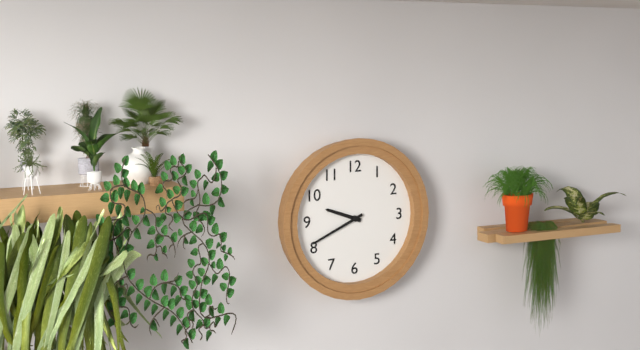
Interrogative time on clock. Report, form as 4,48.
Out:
9,41
